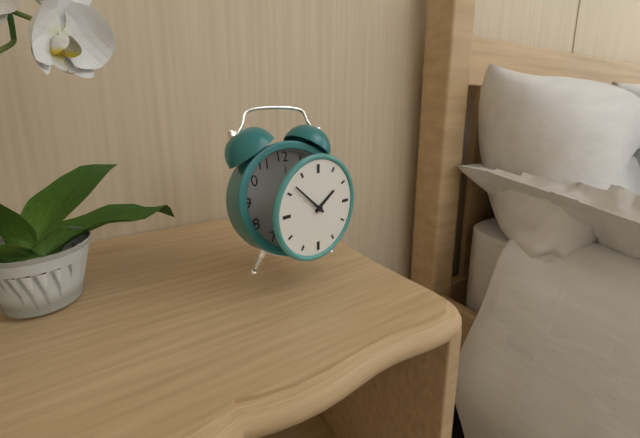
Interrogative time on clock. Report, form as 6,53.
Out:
1,52
